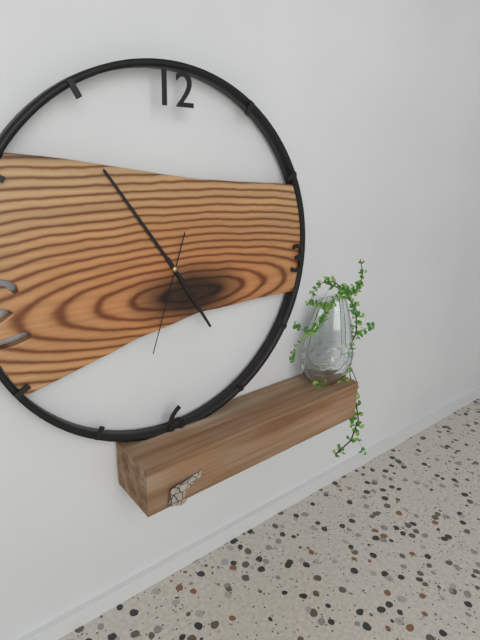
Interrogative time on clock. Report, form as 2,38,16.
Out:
4,54,33
